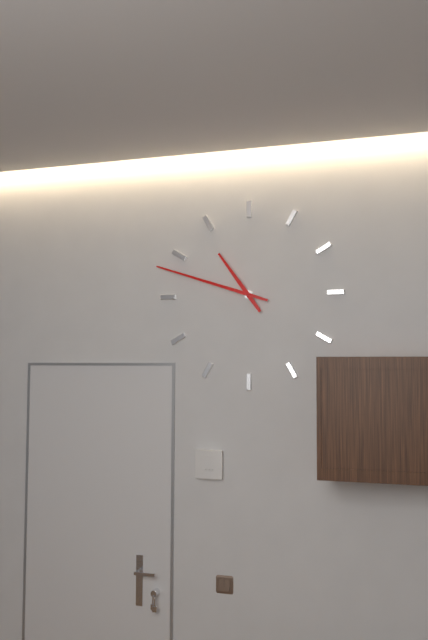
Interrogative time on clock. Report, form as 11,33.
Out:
10,48
